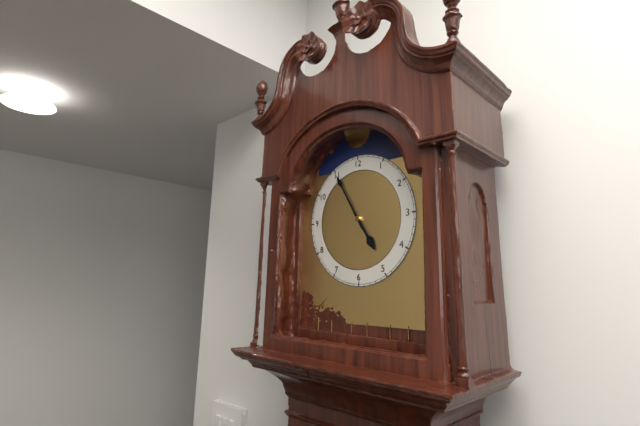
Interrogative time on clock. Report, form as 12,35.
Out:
4,55
